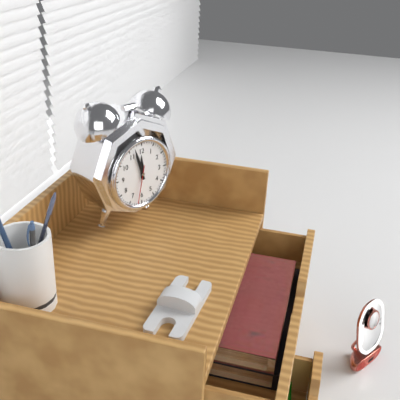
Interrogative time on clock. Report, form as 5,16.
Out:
11,57
